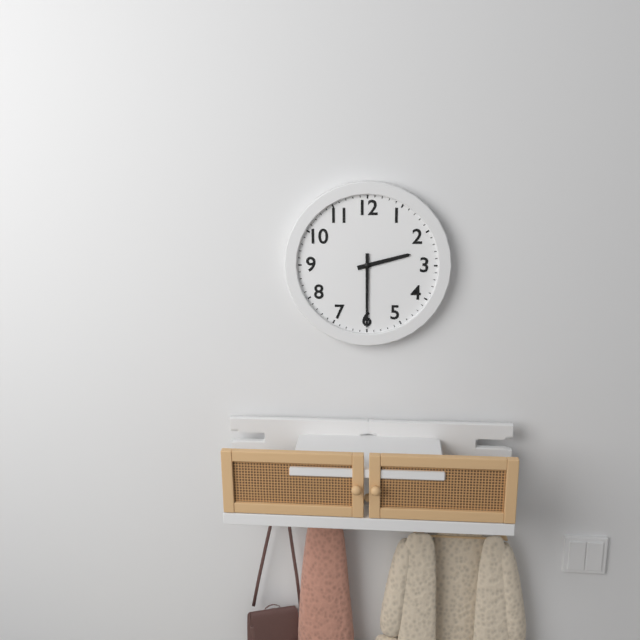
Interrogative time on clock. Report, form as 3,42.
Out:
2,30
